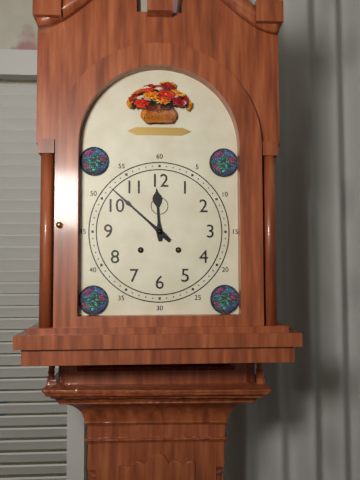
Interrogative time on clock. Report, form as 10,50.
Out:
11,52
